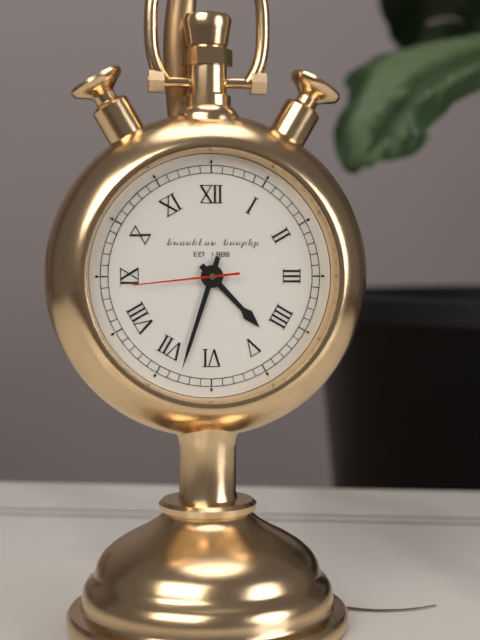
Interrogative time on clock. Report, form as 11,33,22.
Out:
4,33,44
